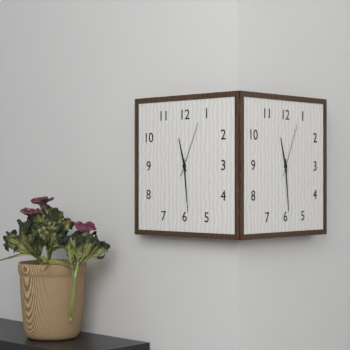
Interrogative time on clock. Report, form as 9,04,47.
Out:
11,29,04
